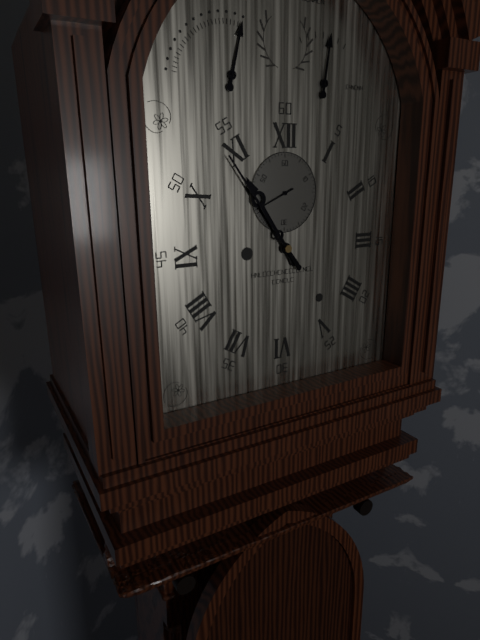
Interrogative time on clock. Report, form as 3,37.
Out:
10,54
